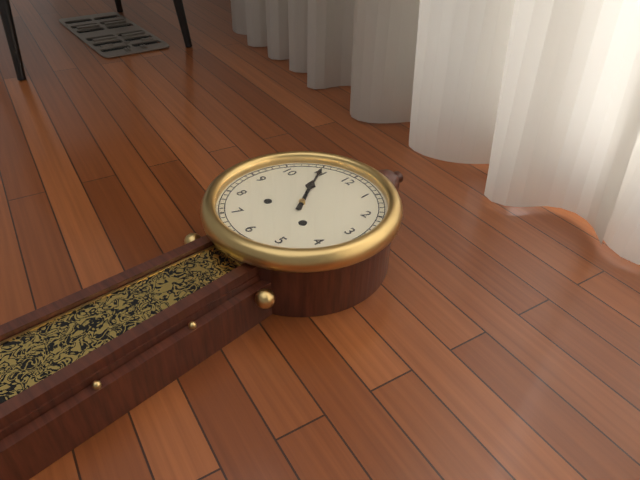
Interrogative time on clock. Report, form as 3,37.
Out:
10,55
